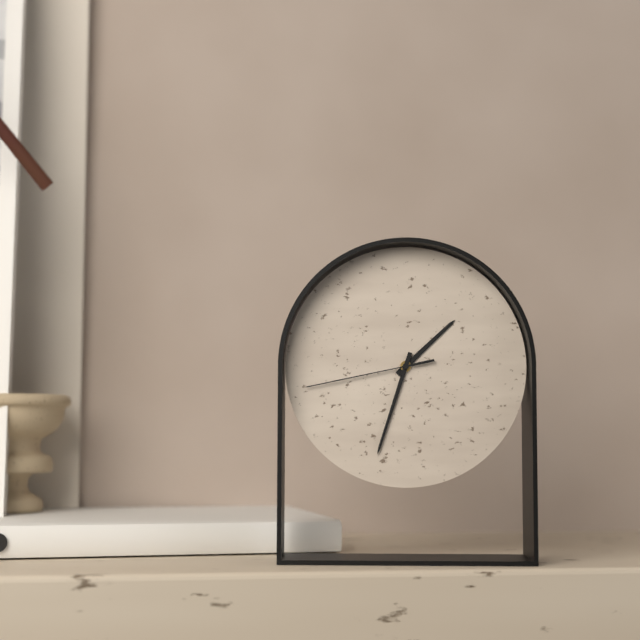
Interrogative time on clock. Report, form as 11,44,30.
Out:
1,33,43
